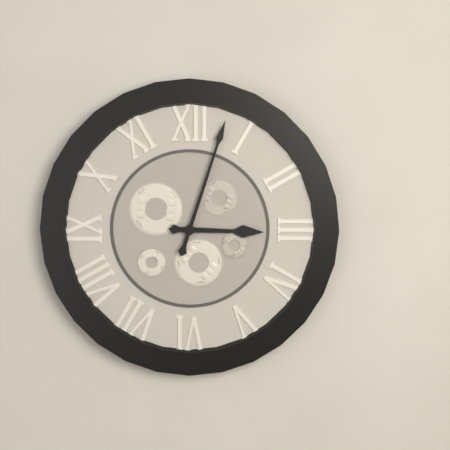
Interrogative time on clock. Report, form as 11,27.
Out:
3,03
